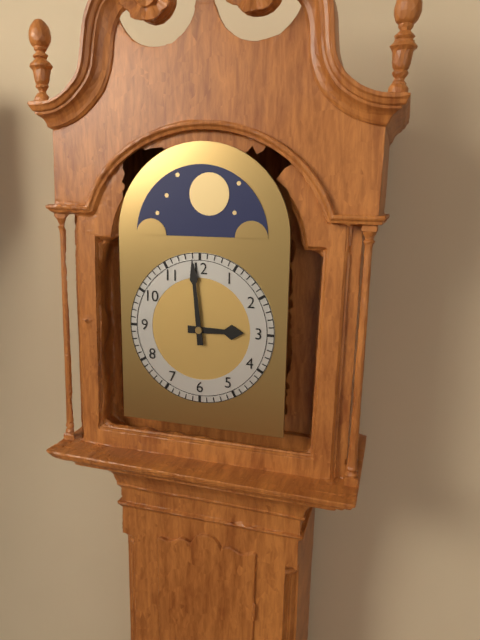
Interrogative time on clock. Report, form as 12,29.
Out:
2,59
